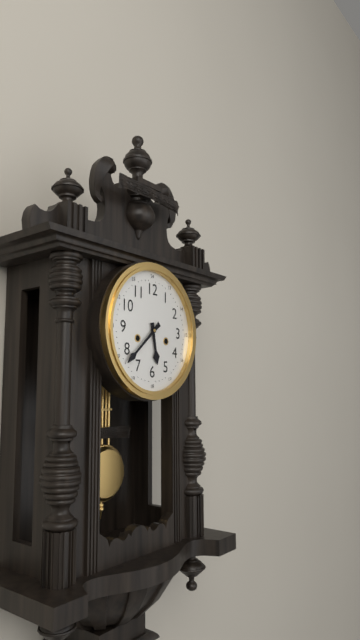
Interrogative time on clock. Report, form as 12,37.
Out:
5,38
